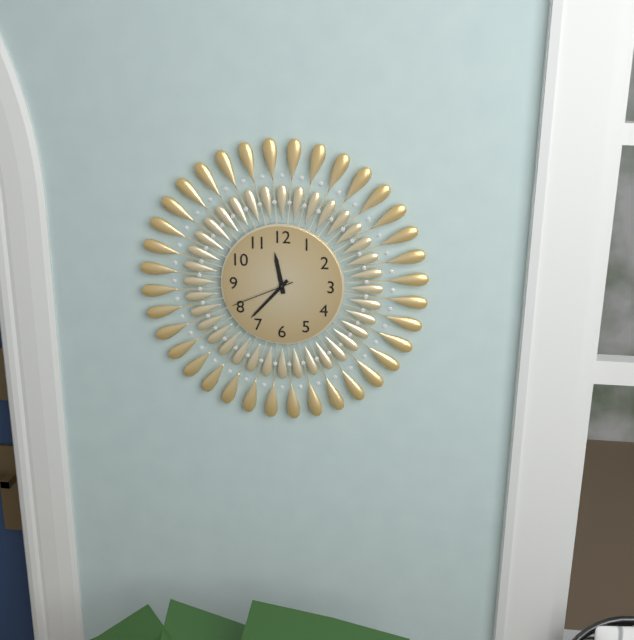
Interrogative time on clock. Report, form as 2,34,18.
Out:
11,37,41
